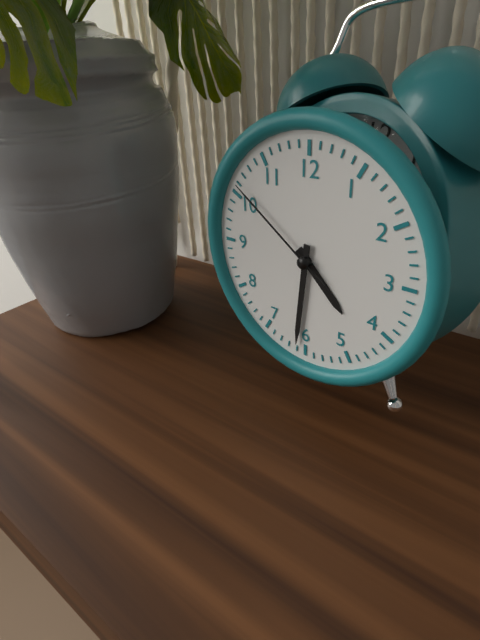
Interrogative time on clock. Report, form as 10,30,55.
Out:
4,31,51
